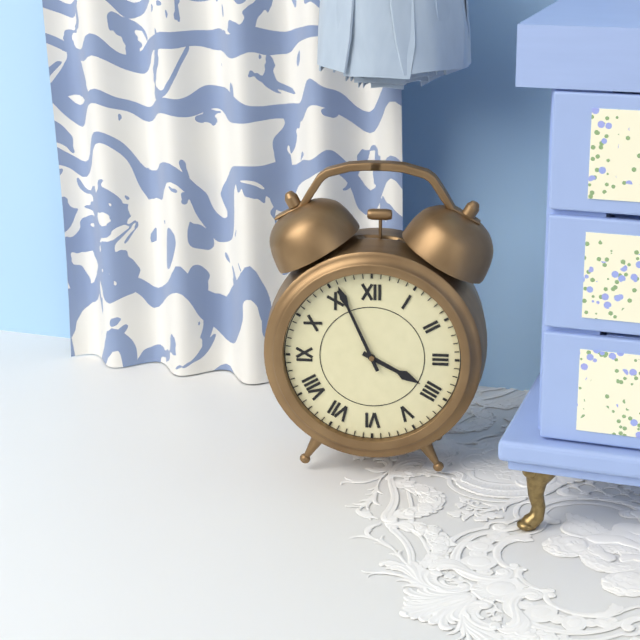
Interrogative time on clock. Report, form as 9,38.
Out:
3,56
